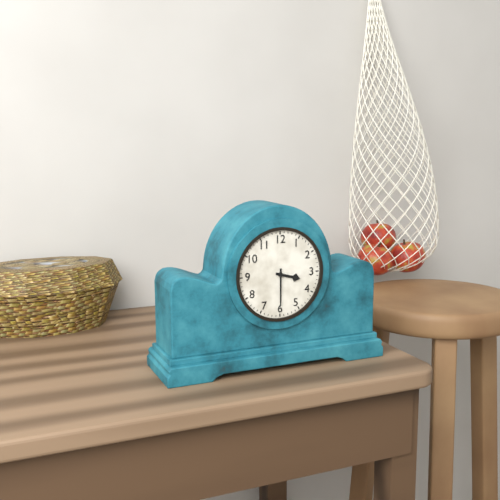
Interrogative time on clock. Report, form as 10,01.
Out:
3,30
